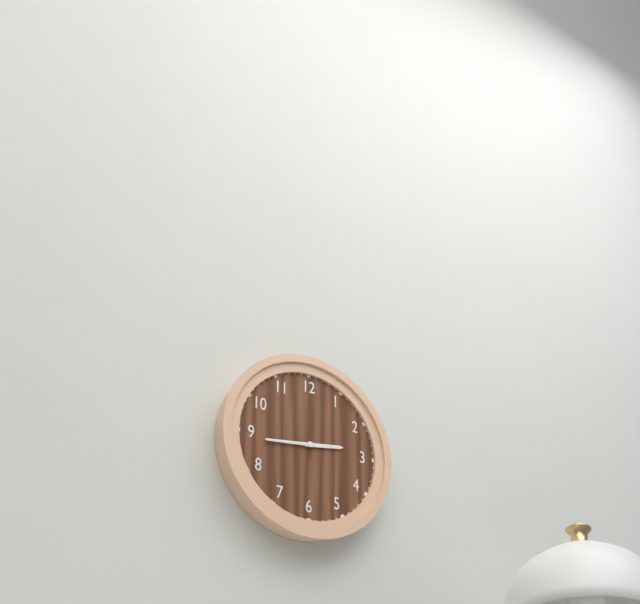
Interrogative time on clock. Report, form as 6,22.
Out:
2,44
